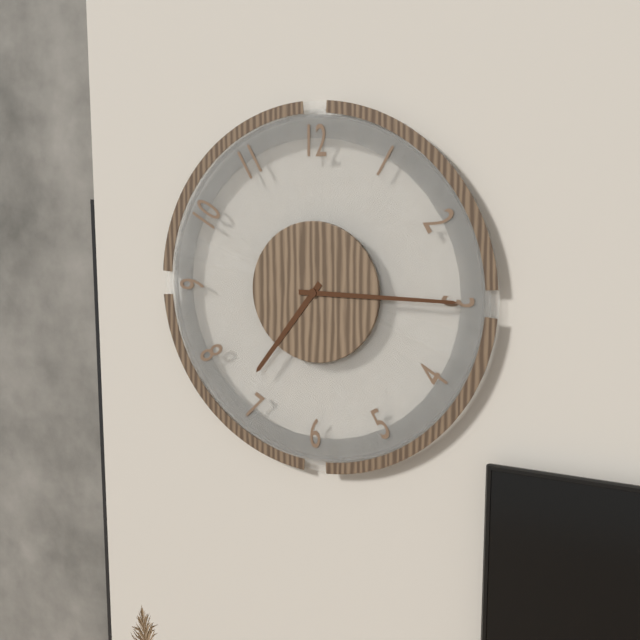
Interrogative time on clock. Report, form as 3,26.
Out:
7,15
